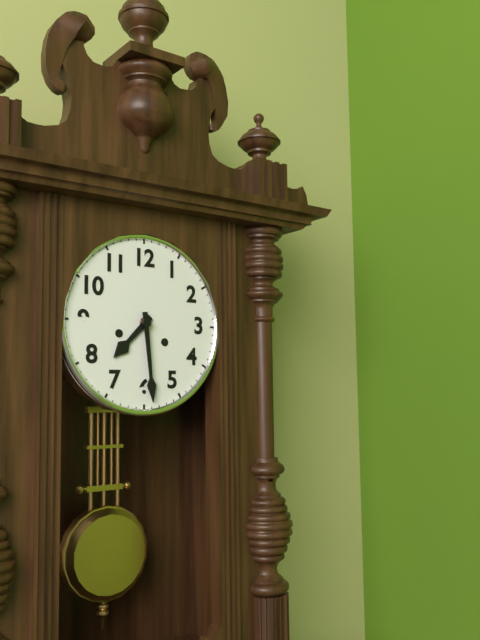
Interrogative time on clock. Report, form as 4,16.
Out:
7,29
